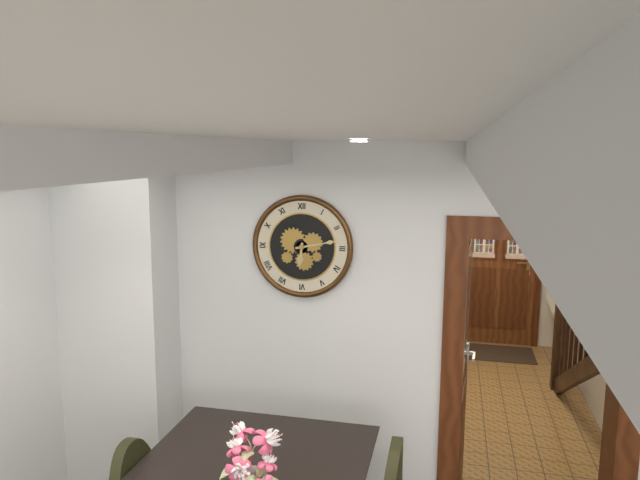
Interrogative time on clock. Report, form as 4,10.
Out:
6,13
